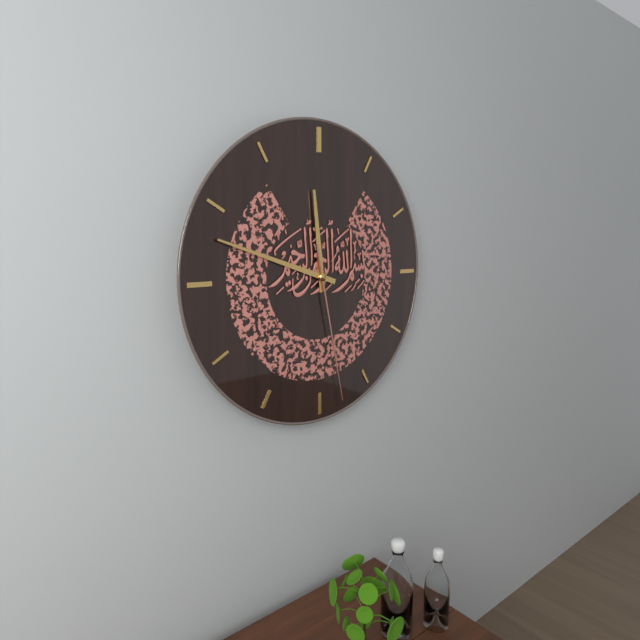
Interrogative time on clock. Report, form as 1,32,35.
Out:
11,48,28
